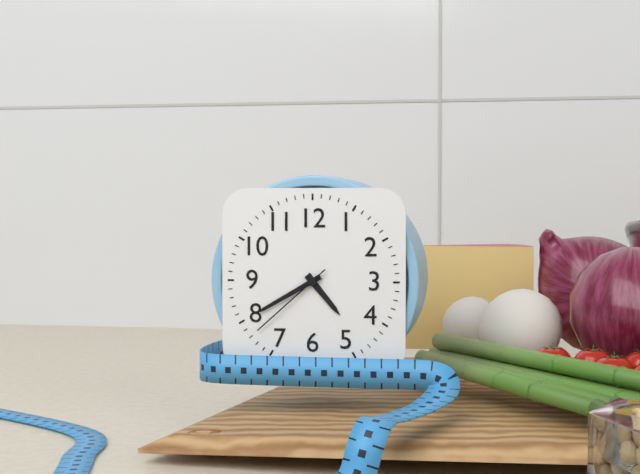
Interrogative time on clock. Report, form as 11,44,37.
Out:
4,40,38
